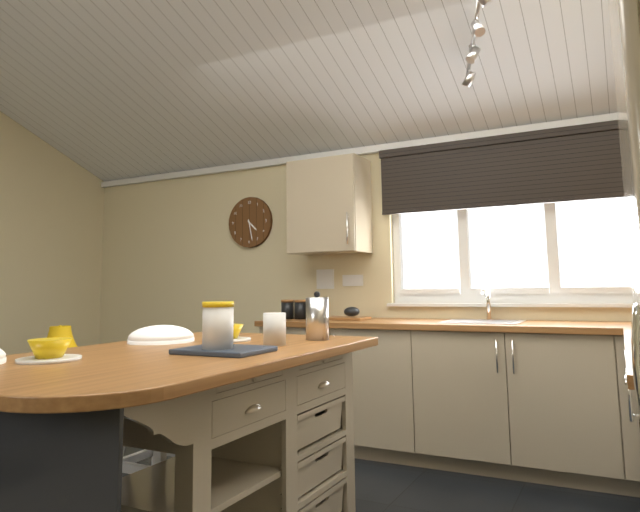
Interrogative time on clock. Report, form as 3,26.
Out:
4,28
